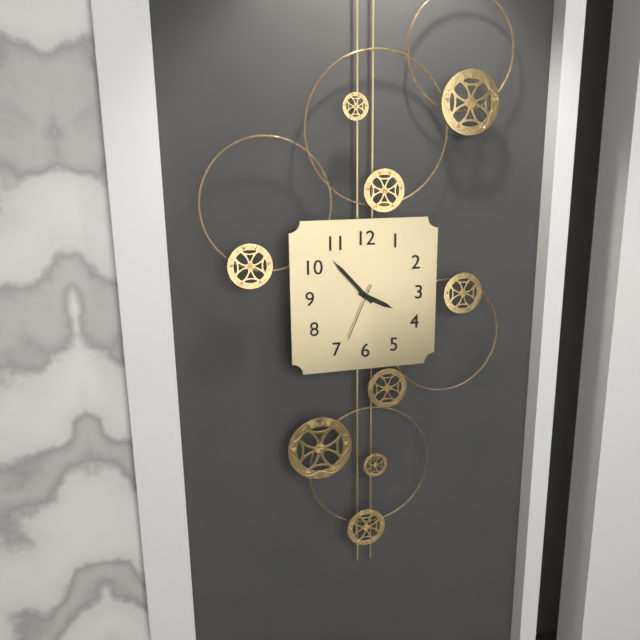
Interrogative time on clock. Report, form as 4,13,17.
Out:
3,53,34
